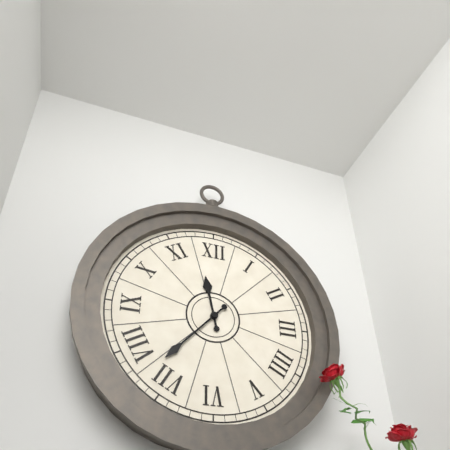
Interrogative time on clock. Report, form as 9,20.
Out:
11,37
